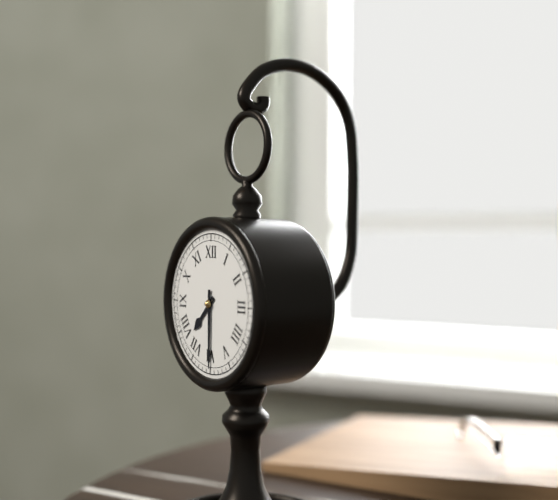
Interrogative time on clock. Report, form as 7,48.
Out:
7,30
